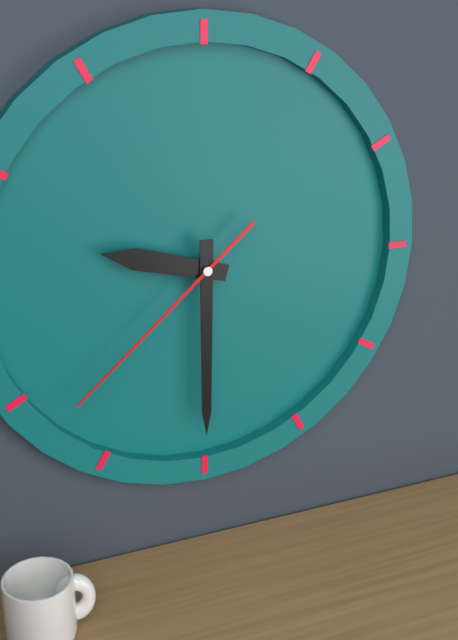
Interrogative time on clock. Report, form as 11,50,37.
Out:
9,30,38
